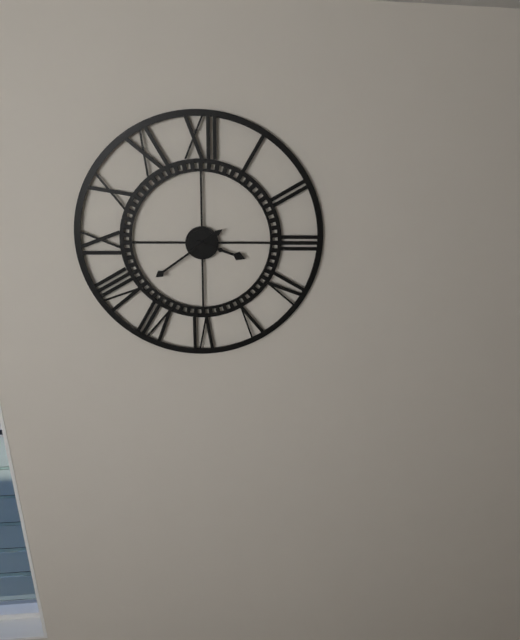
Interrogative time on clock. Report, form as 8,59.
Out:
3,39
